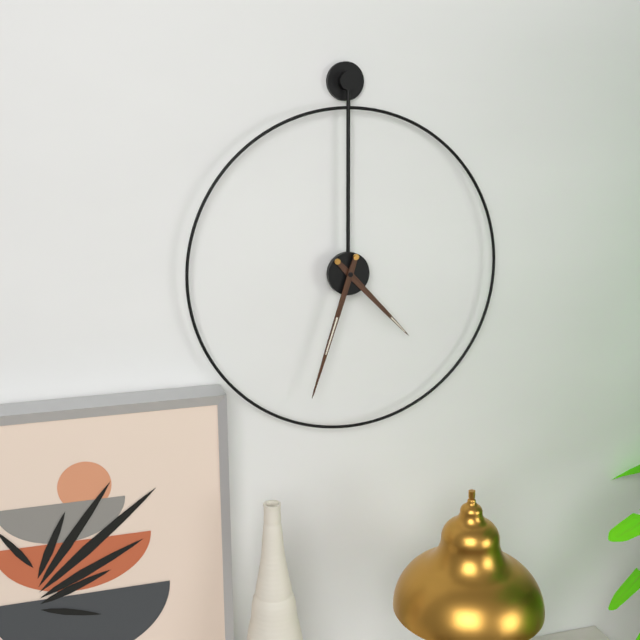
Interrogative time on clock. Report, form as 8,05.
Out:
4,33
